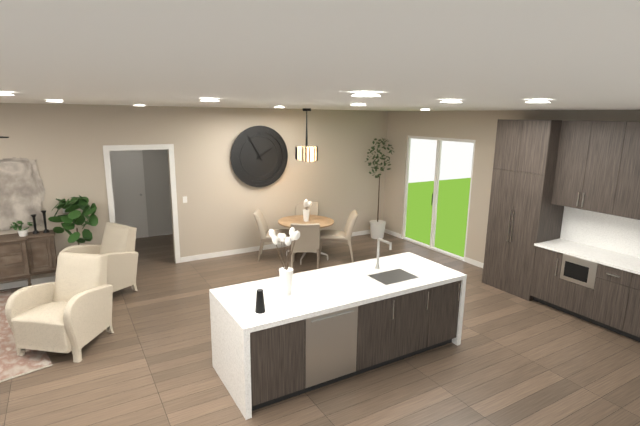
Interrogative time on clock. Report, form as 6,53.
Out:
1,55
